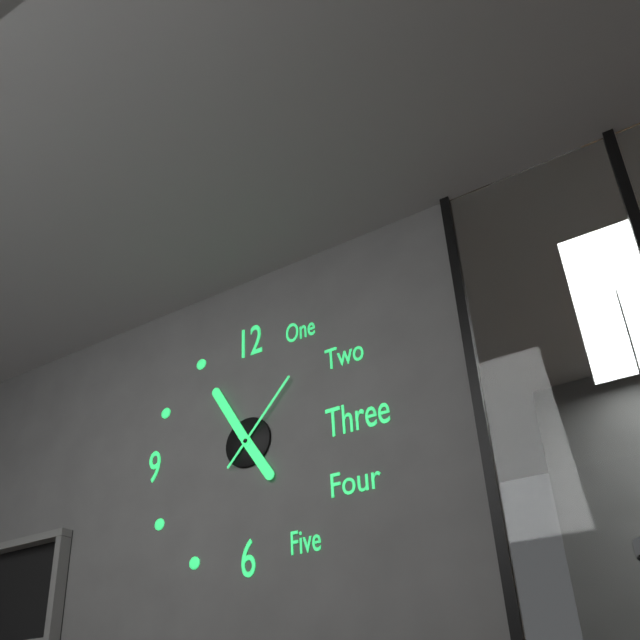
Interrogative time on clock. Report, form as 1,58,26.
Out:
4,55,07
